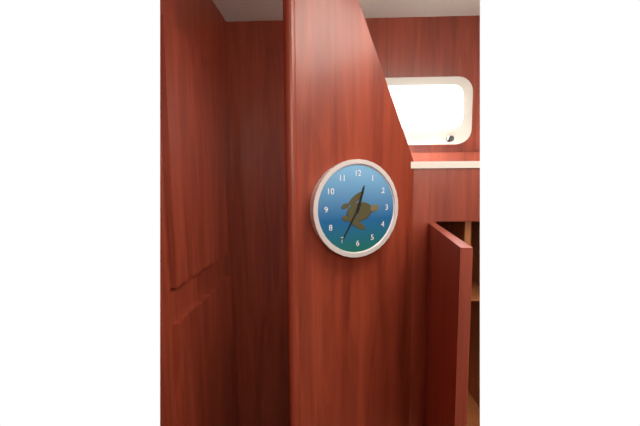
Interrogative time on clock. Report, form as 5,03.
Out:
12,35
